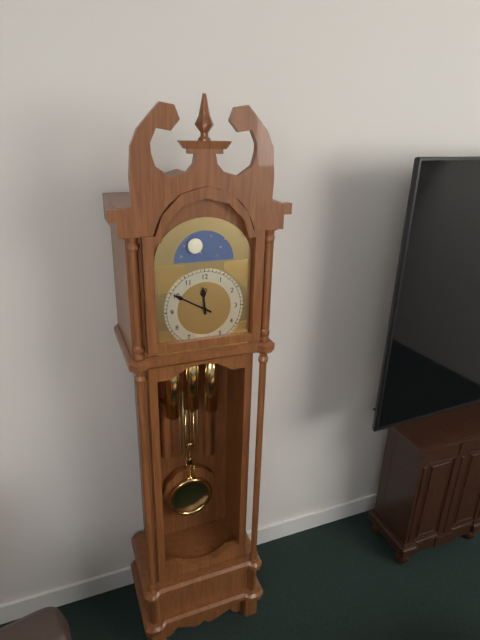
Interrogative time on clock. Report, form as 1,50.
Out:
11,50
